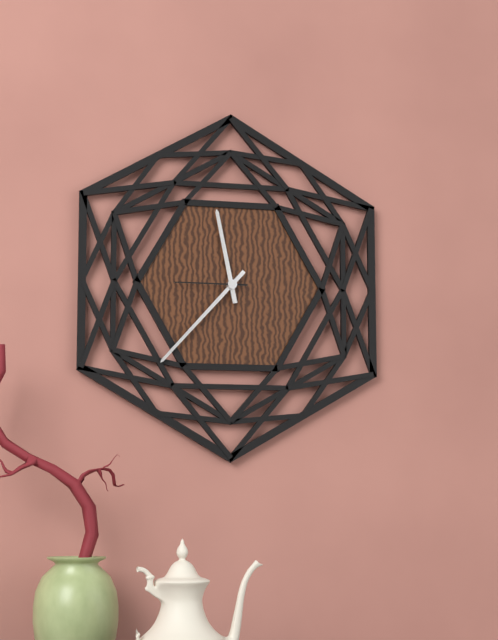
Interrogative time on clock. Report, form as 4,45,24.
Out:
11,37,45
